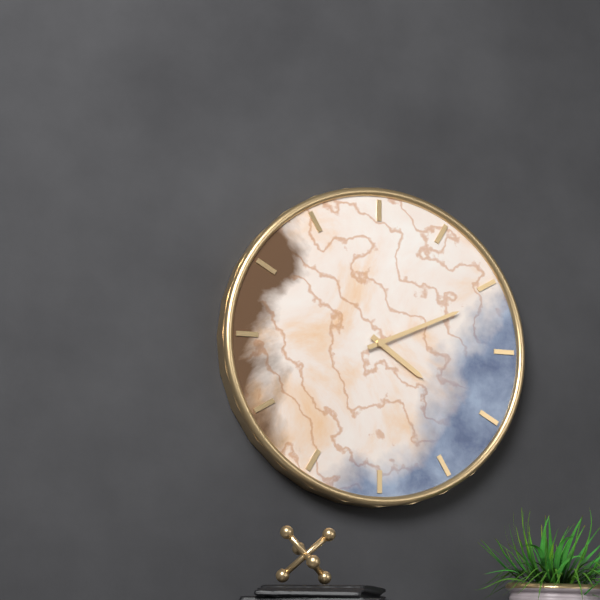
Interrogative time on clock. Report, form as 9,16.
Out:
4,11
